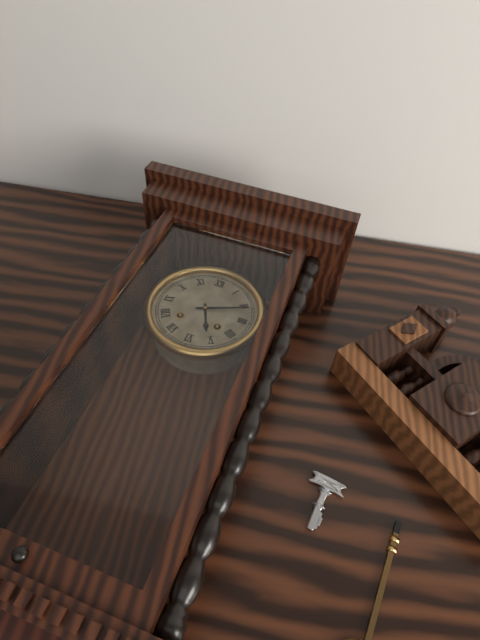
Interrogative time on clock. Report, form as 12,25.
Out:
5,11
